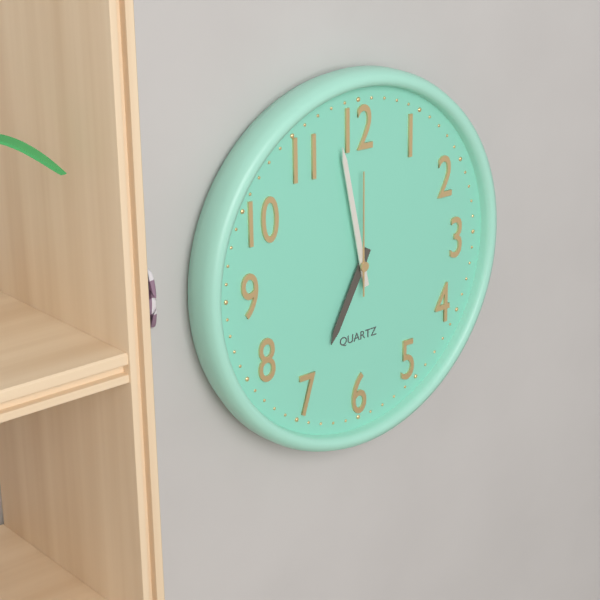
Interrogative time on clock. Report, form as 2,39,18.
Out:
6,58,00
